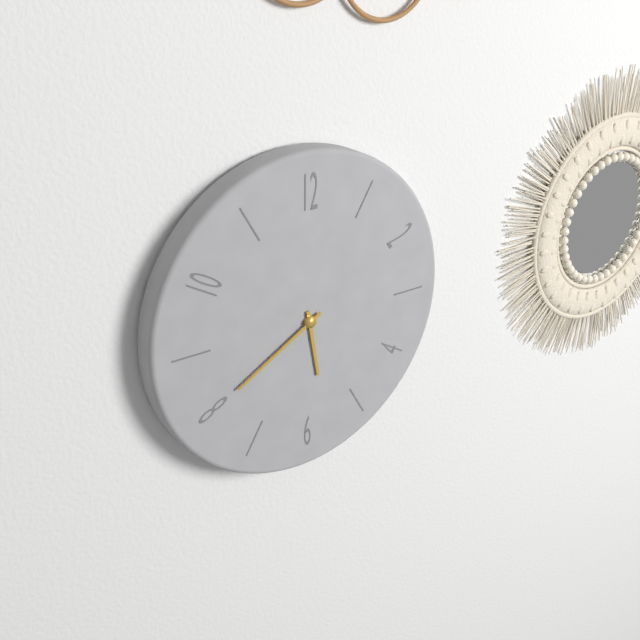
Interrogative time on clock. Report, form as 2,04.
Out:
5,40
